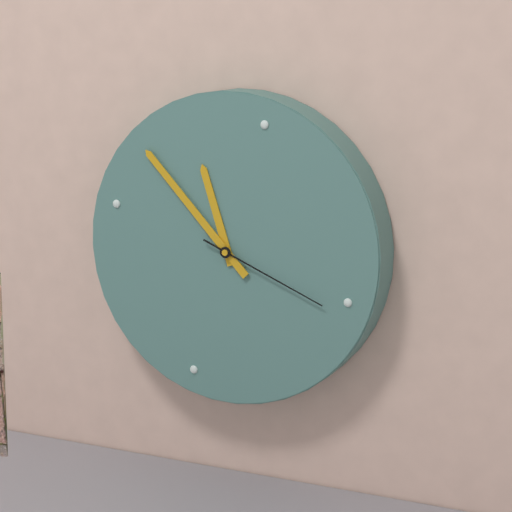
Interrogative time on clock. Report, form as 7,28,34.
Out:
10,50,16
